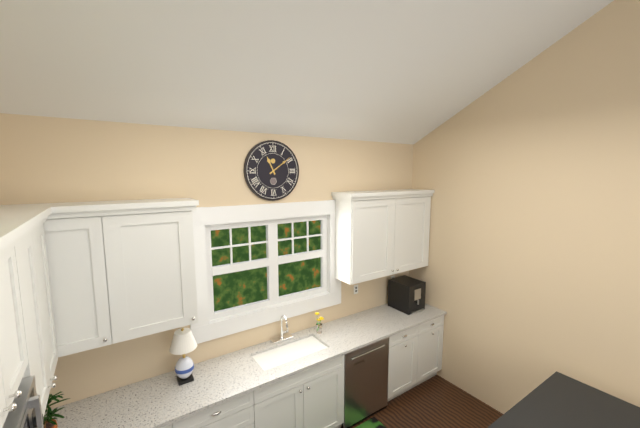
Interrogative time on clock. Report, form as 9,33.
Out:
11,09
